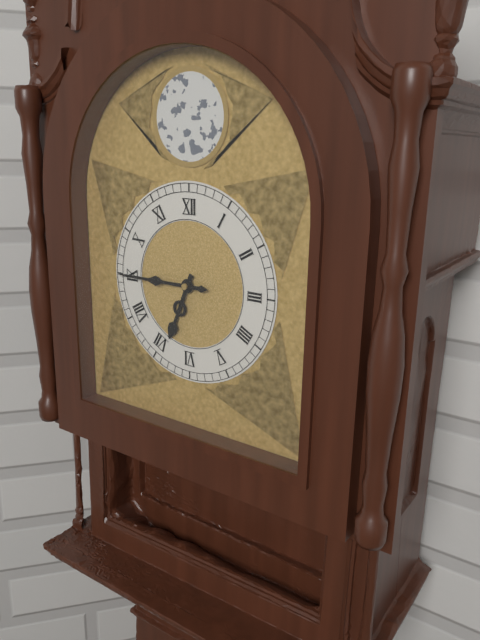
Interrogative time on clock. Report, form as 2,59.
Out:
6,45
